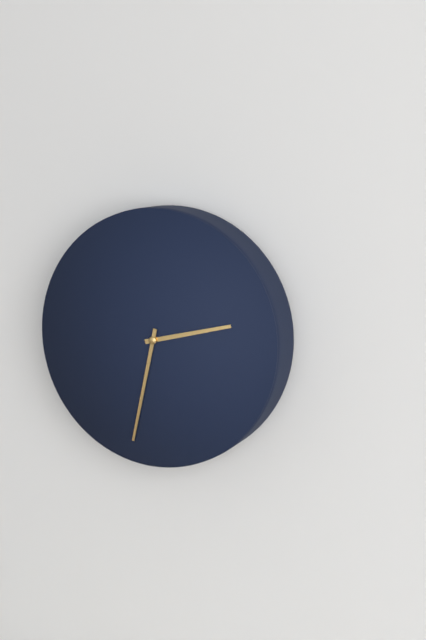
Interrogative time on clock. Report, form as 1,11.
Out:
2,32
